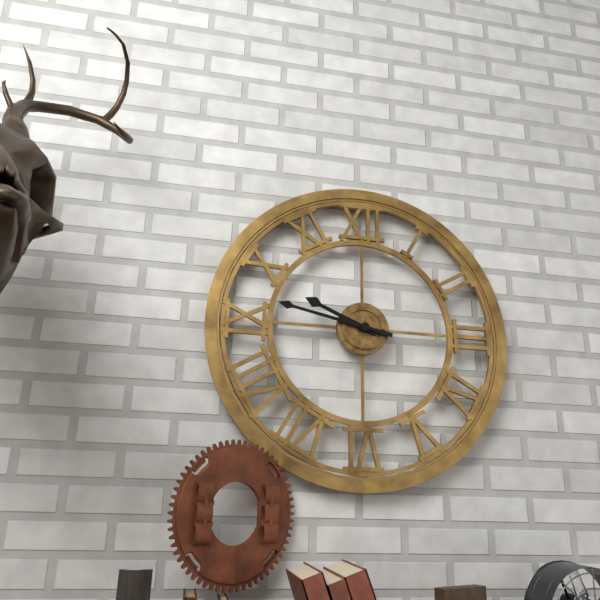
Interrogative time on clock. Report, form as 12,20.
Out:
9,47
